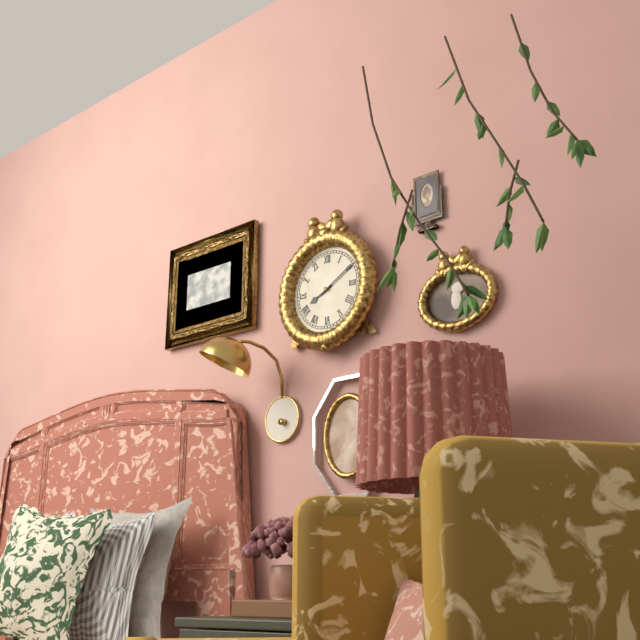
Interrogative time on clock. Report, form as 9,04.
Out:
8,10
